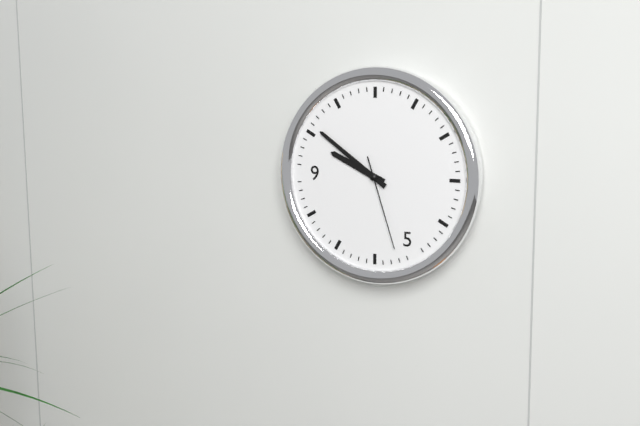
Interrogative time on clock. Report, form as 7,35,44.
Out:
9,51,27
